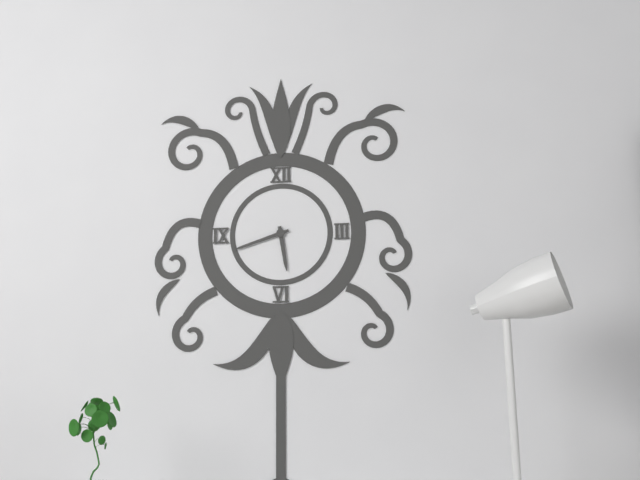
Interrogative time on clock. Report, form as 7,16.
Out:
5,42
